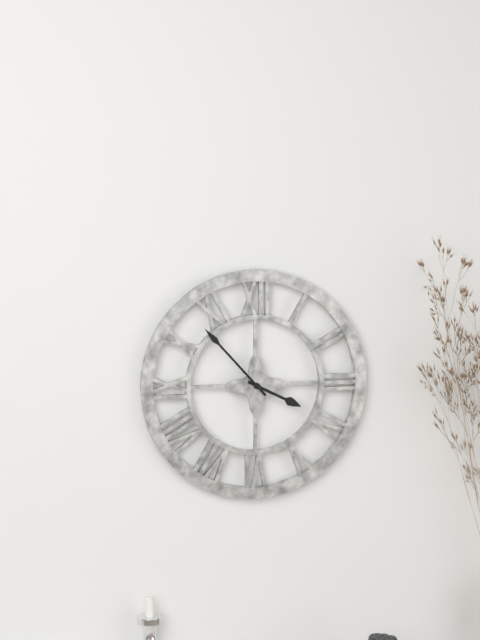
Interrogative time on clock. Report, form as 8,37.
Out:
3,53
